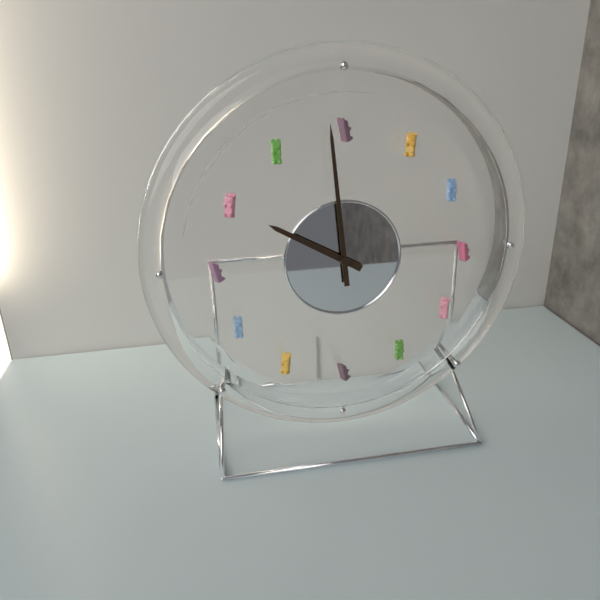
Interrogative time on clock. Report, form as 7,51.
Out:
9,59
